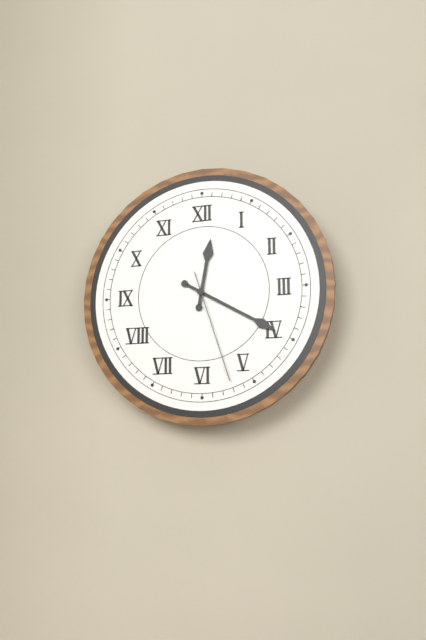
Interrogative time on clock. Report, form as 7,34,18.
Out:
12,20,27
